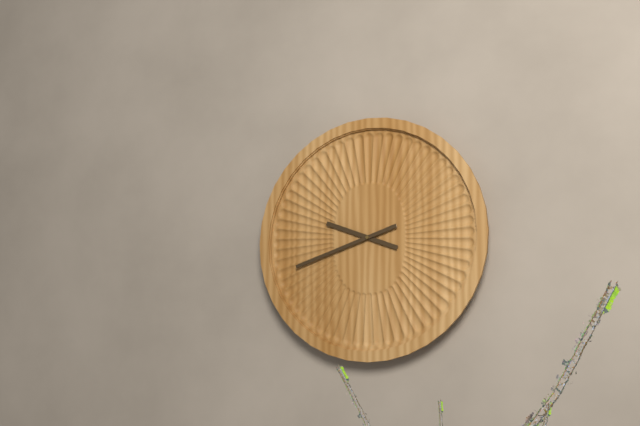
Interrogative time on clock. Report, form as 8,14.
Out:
9,42
